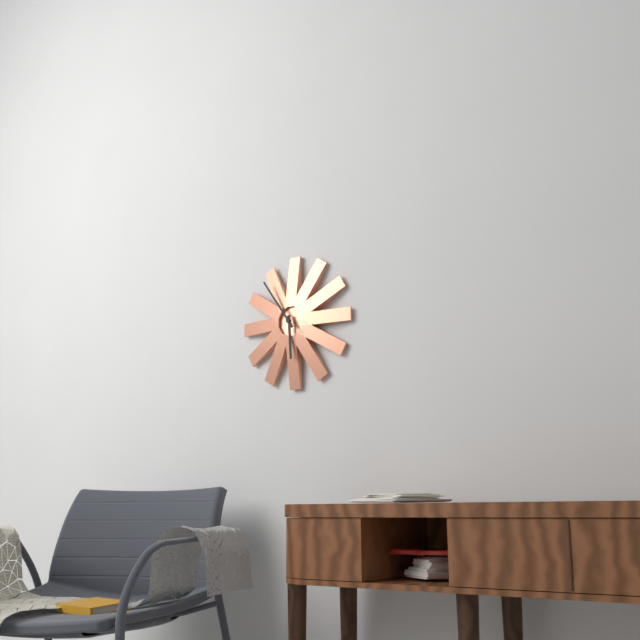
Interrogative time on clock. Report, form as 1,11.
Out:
5,54
